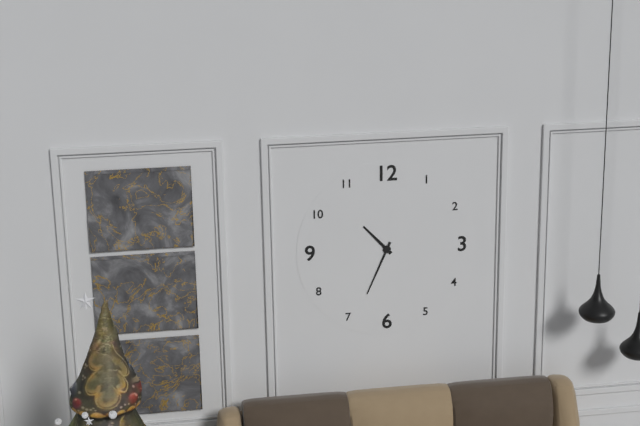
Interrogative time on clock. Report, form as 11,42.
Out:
10,34
